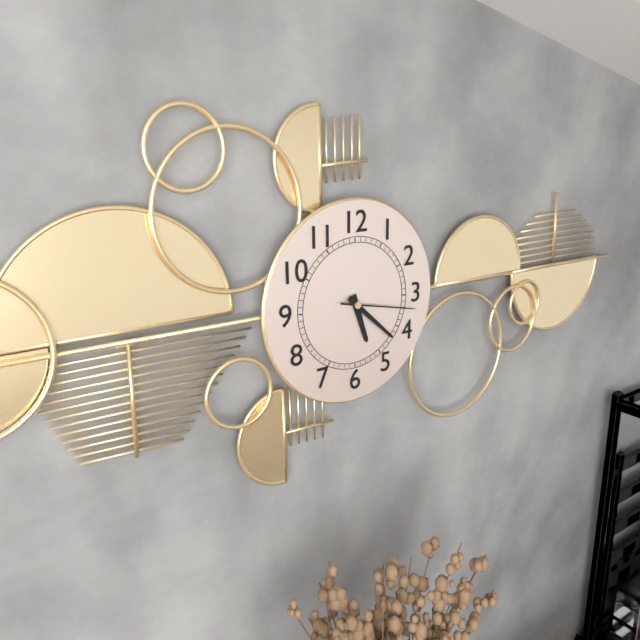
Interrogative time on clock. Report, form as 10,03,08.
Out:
5,22,17
